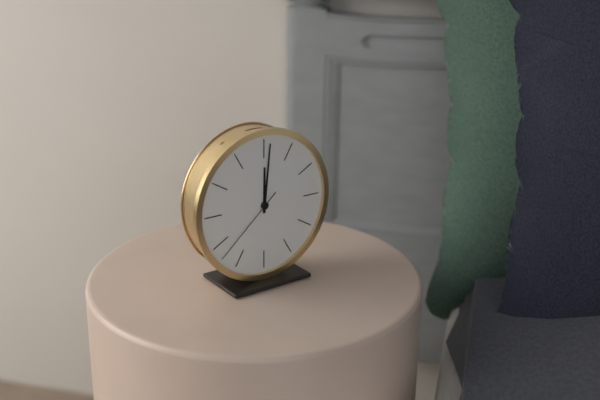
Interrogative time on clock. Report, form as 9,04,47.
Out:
12,01,38
